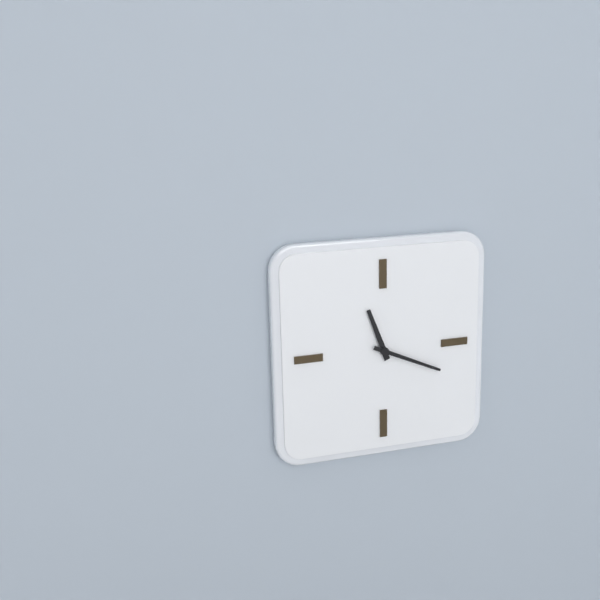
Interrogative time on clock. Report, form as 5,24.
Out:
11,19
